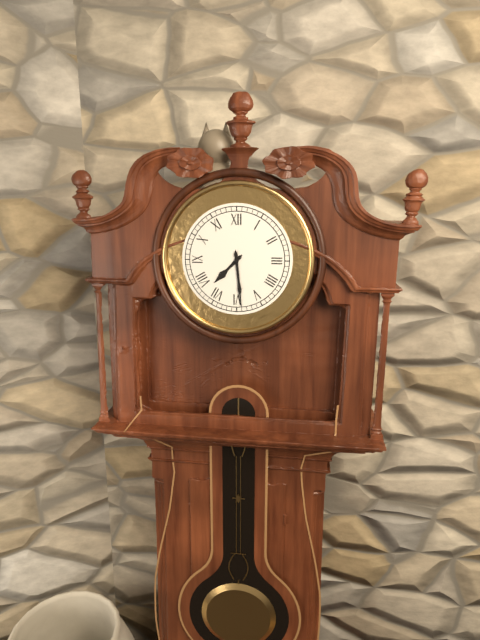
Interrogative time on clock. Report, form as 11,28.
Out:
7,29
